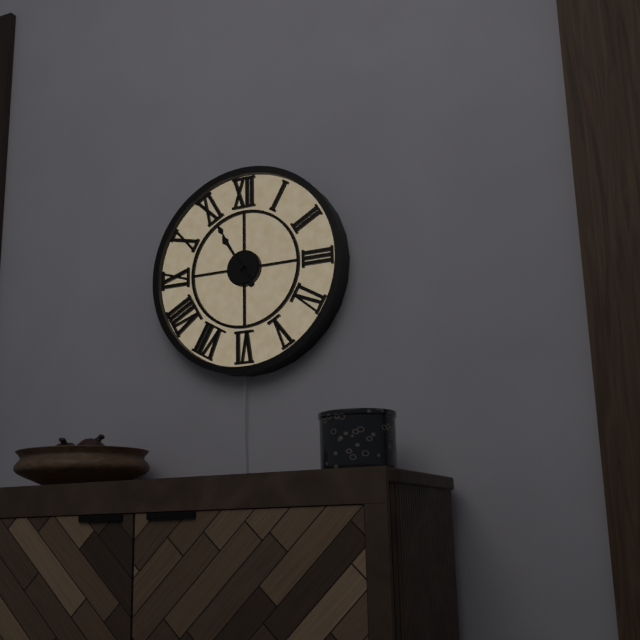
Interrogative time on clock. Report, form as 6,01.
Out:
10,55
